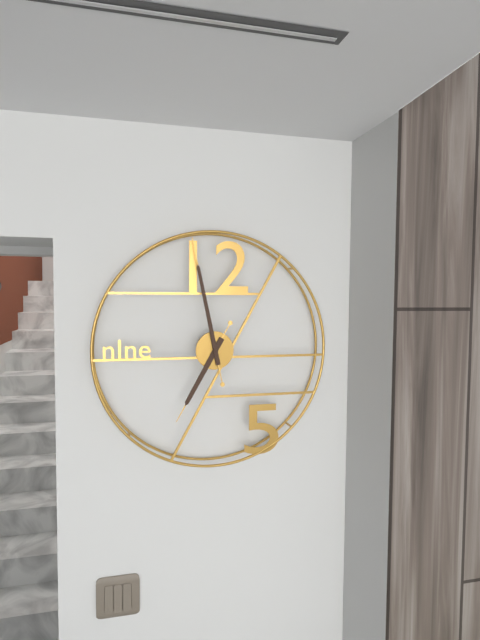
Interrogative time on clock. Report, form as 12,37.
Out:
6,58
